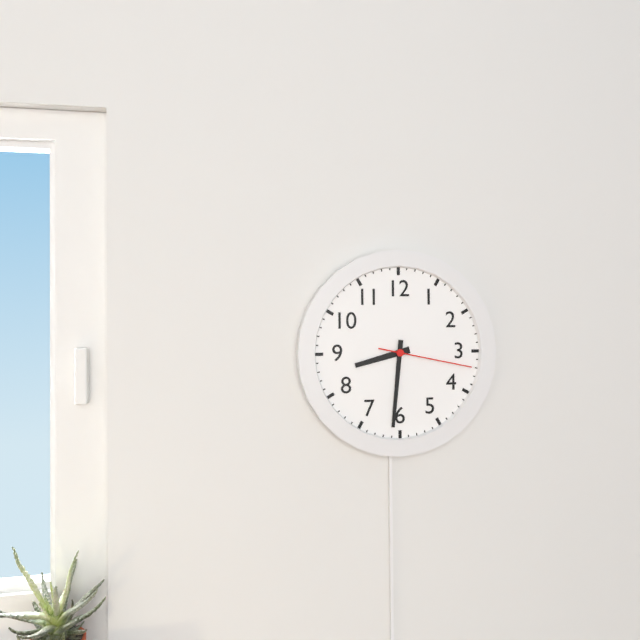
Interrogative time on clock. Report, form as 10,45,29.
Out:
8,31,17
